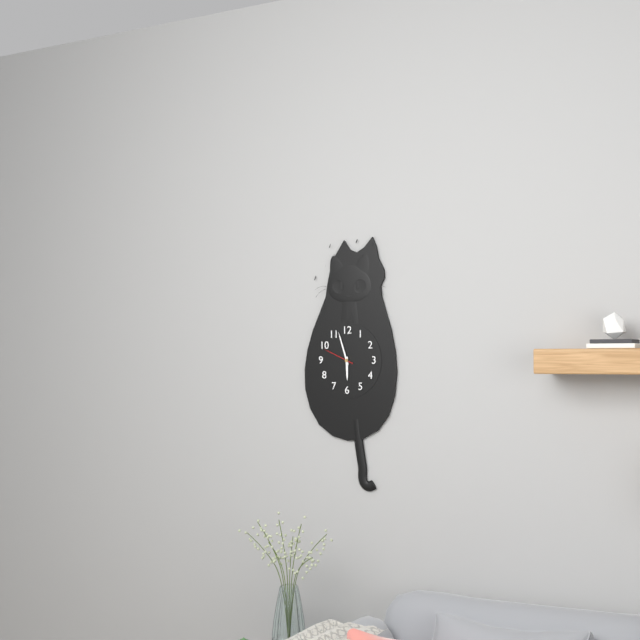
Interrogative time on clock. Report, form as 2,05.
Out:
5,57
